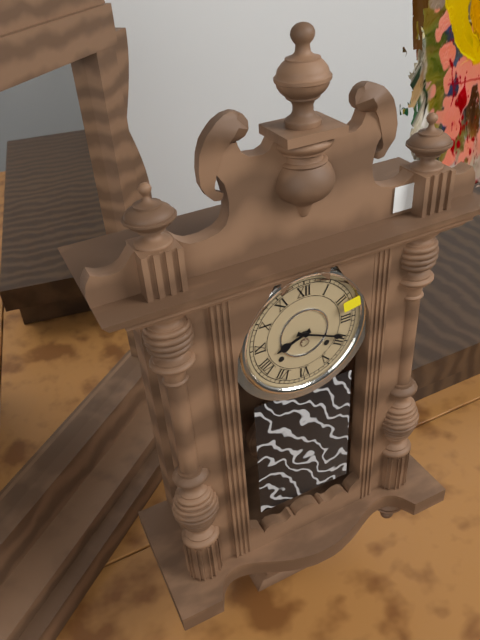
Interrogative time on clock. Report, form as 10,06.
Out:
8,19
